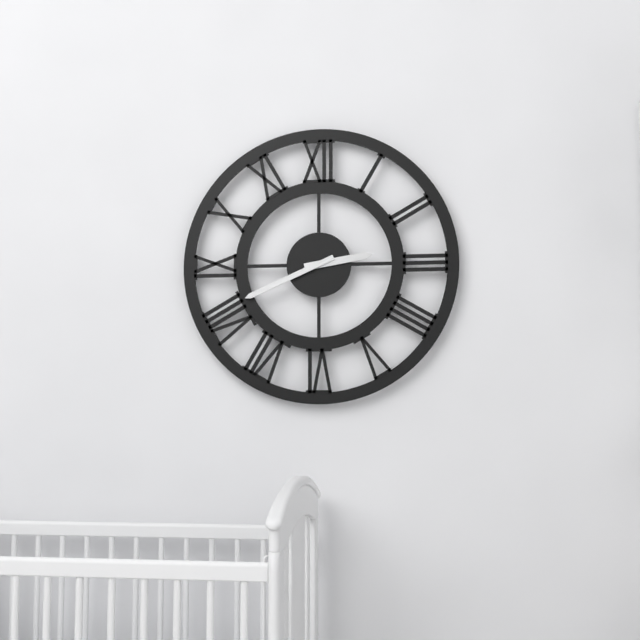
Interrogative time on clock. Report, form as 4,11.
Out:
2,41
